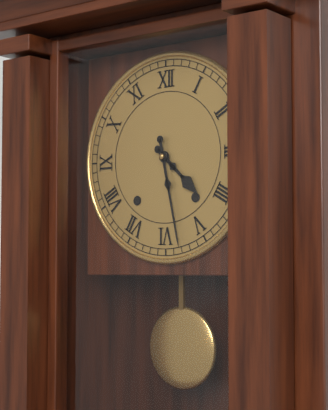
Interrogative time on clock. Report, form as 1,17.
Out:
4,28
